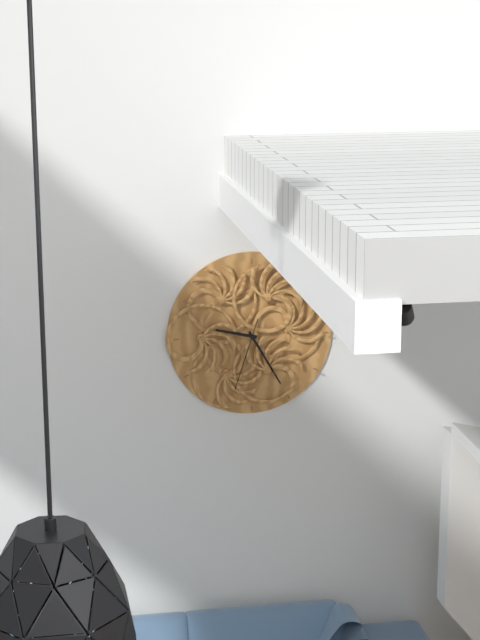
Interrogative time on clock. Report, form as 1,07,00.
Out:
9,25,33
